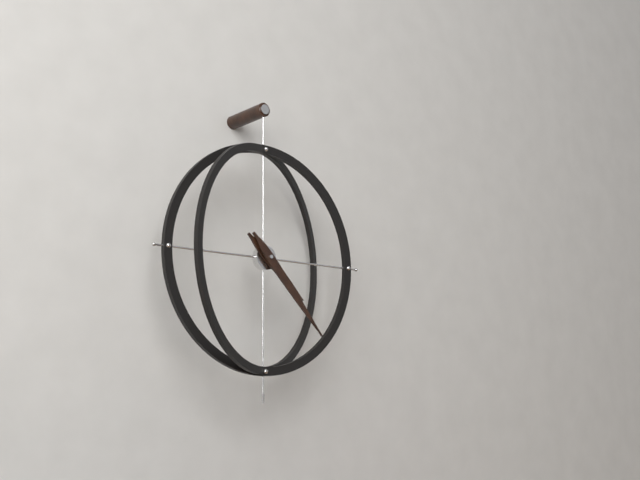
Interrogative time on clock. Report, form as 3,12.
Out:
4,23
